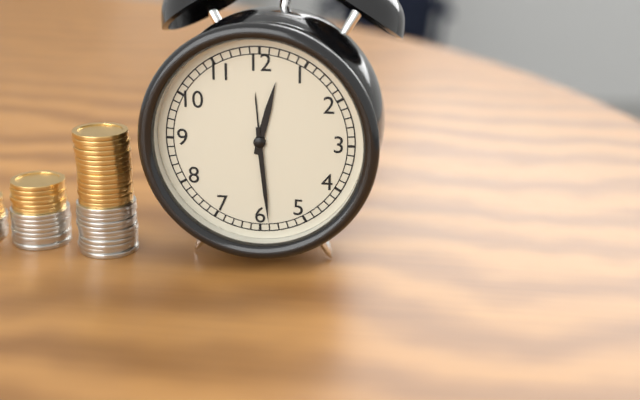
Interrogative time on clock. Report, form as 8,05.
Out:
12,29
